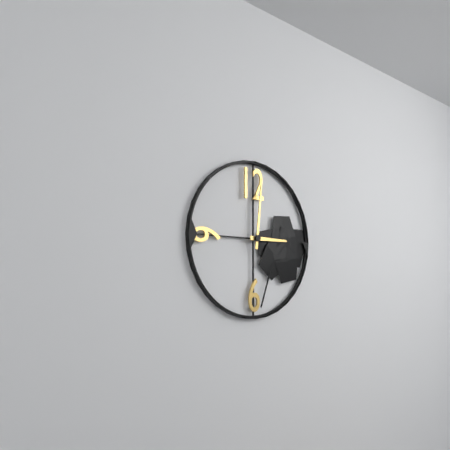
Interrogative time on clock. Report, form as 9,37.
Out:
3,01
